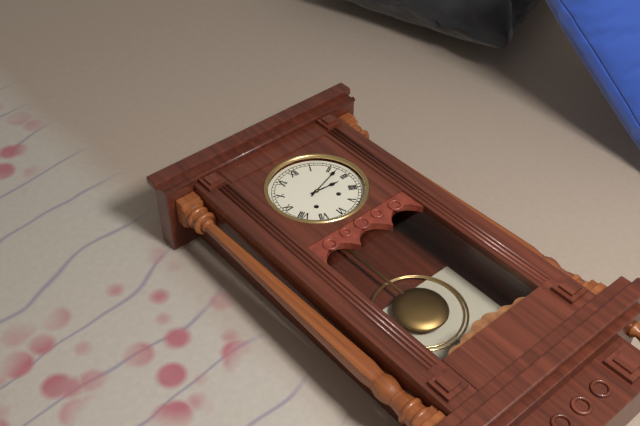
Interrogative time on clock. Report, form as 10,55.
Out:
3,12
